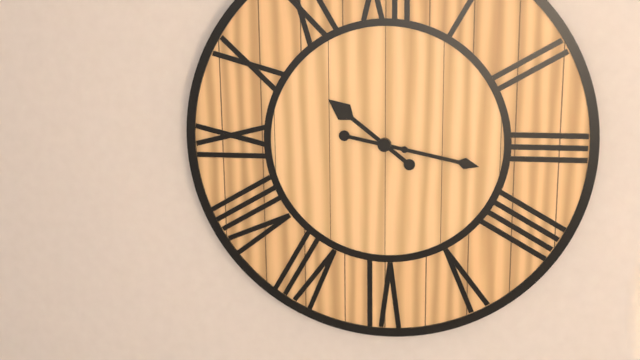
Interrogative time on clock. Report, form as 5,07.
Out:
10,17
